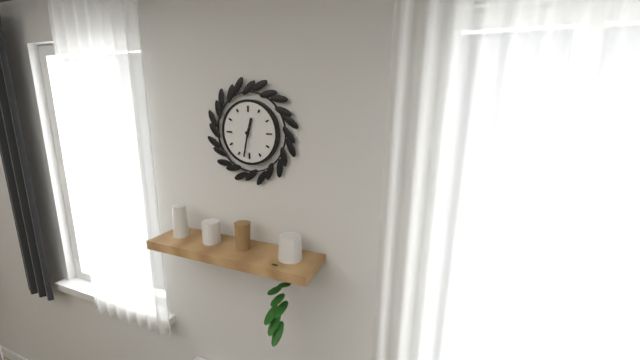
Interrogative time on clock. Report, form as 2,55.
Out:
12,32
